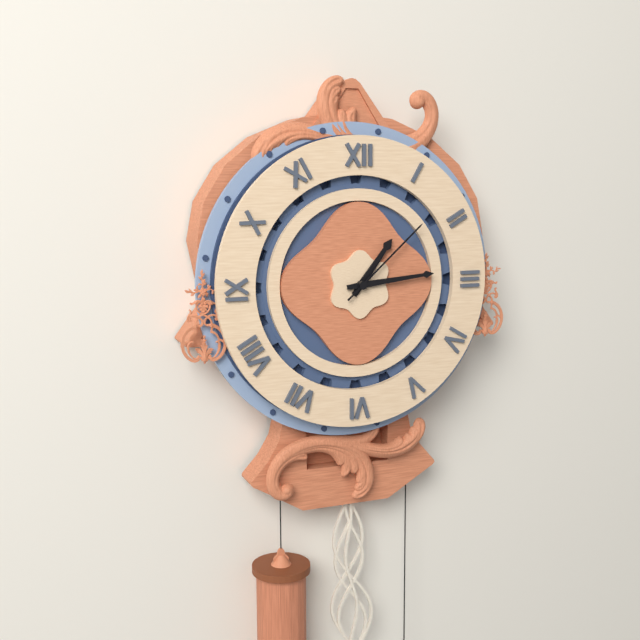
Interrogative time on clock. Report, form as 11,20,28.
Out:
1,14,08
